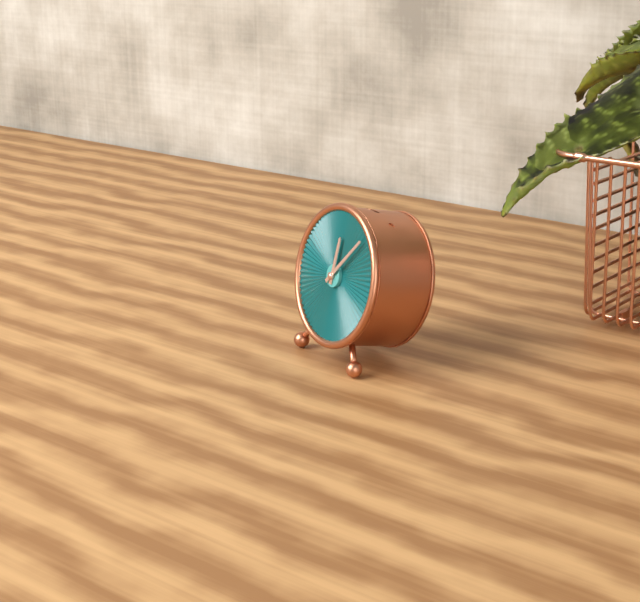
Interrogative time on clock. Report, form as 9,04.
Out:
12,07
